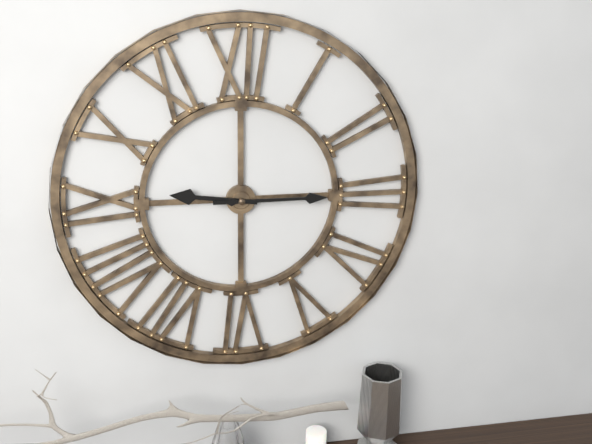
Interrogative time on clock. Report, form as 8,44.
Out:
9,15
